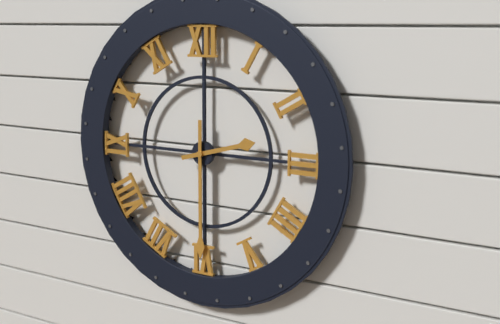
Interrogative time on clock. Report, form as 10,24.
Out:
2,30
